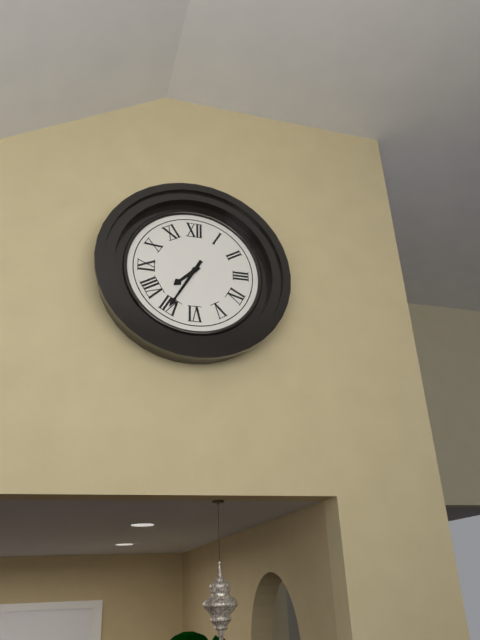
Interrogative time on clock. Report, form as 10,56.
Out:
7,35
